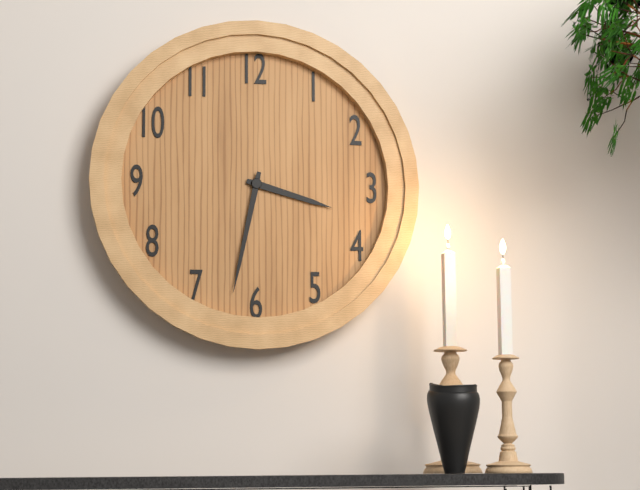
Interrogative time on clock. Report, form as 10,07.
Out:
3,32
